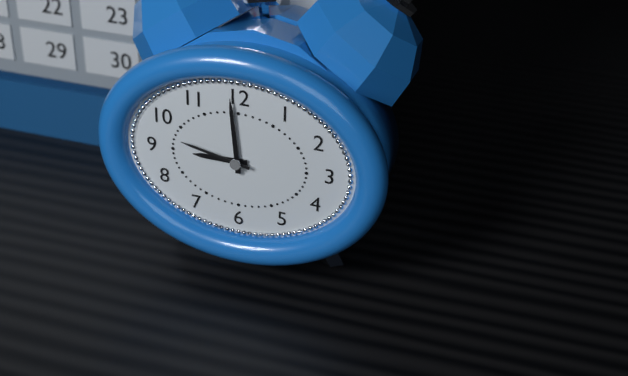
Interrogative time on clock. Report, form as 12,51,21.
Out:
8,59,47
